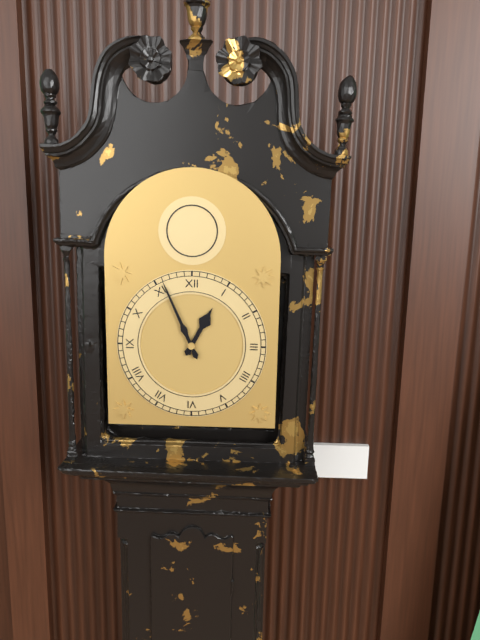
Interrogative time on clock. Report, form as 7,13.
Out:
12,56
